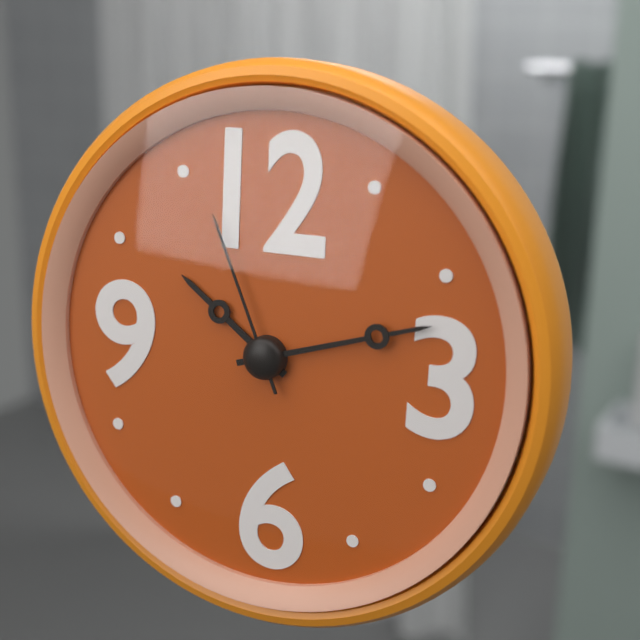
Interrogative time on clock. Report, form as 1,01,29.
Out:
10,12,56
